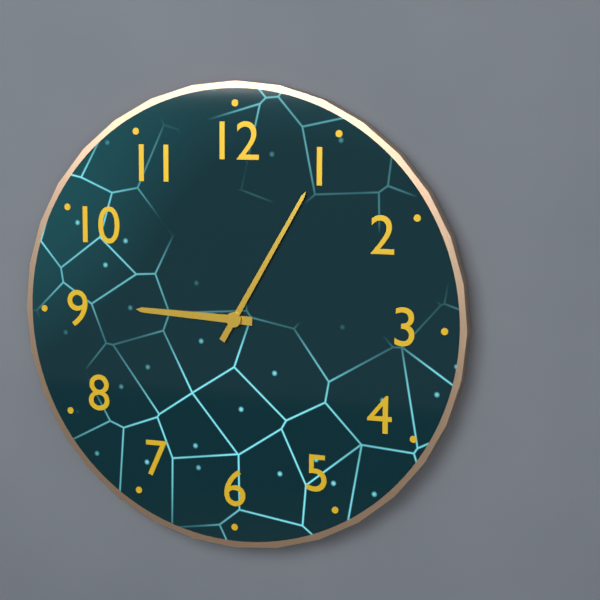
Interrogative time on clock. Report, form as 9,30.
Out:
9,05
